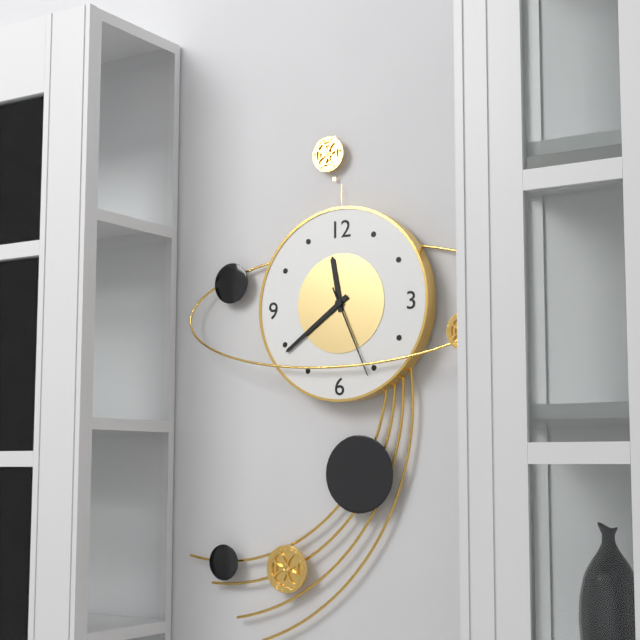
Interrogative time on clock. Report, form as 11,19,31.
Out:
11,39,26
